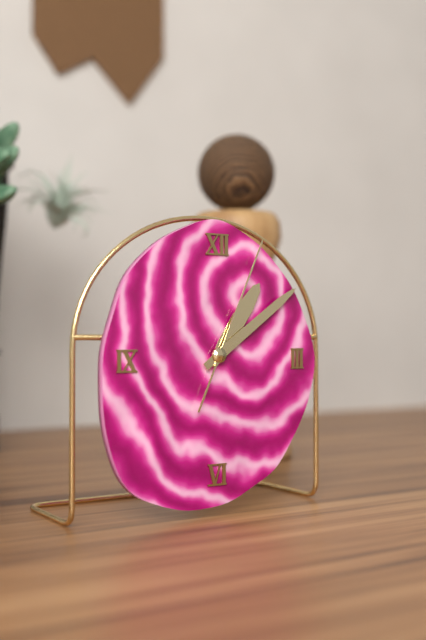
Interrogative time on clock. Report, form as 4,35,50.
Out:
1,09,04
